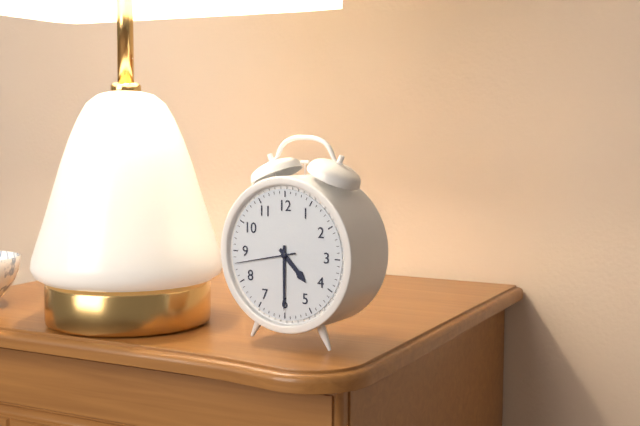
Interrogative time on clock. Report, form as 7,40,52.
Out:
4,30,43
